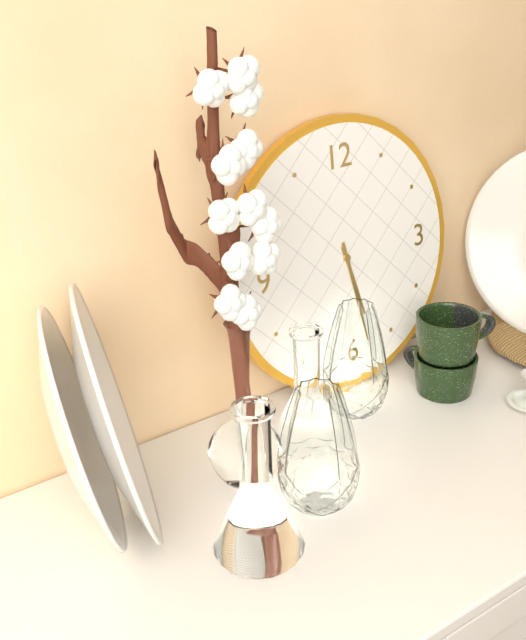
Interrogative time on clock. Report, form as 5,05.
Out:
5,28
